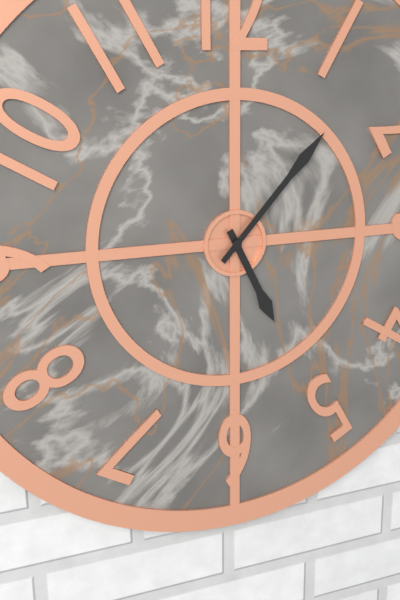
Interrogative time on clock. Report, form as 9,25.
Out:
5,07
